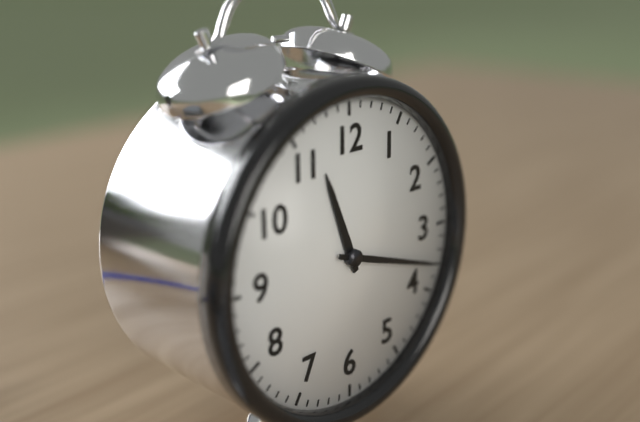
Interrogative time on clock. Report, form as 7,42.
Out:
11,18
